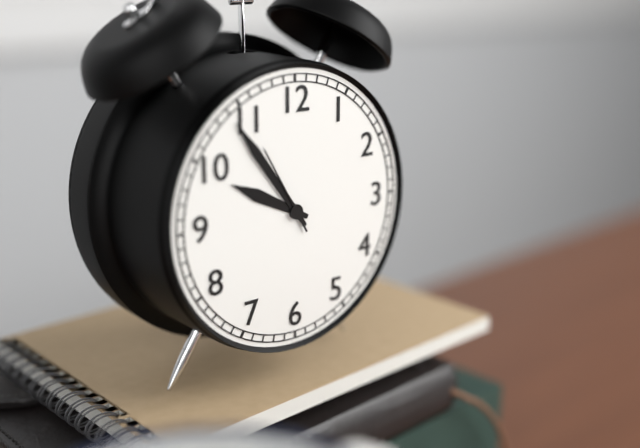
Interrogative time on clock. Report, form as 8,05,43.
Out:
9,54,55
